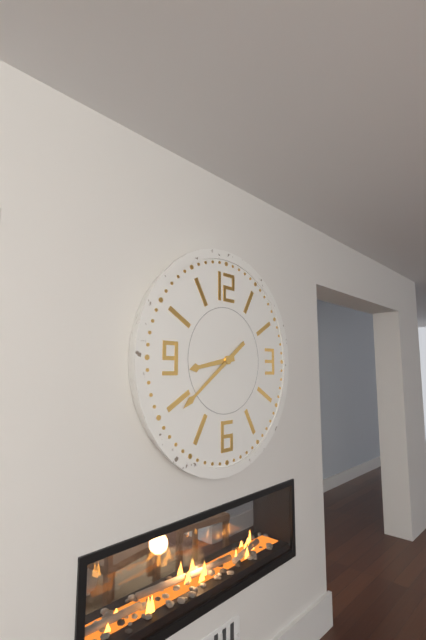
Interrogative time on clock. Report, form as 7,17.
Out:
8,39
